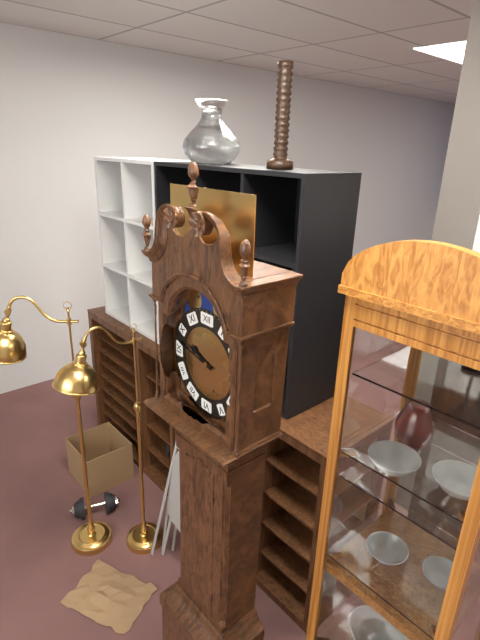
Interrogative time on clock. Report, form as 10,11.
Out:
9,47
